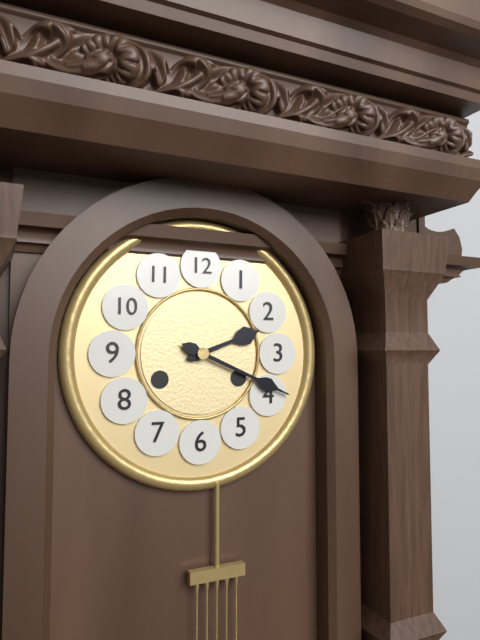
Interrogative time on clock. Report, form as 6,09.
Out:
2,19
